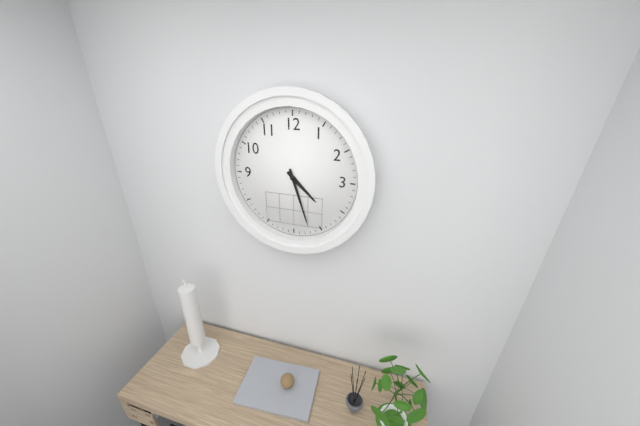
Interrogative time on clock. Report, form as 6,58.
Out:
4,27
